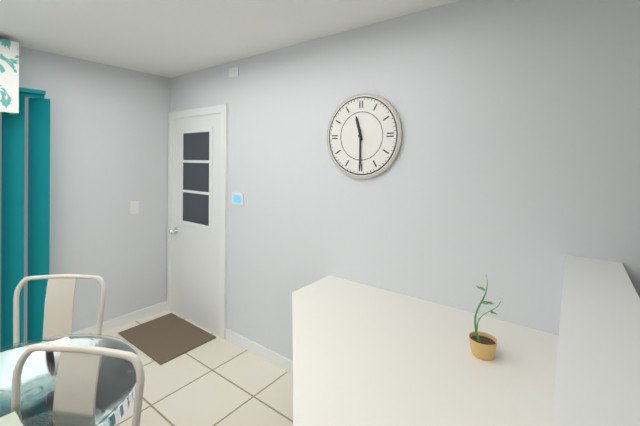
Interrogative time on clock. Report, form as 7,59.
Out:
11,30
